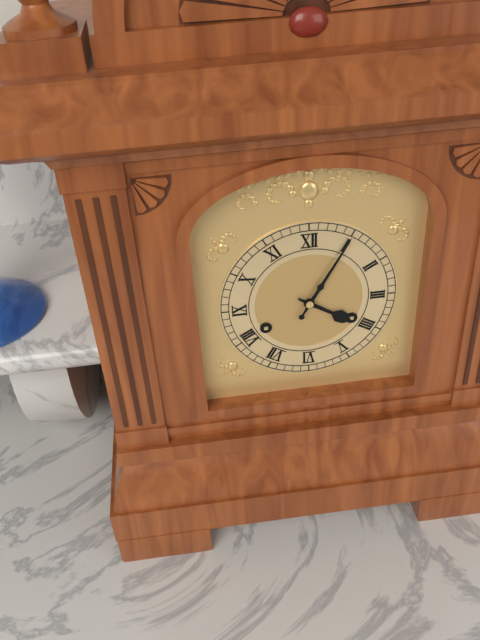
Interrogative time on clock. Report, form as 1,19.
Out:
4,05
